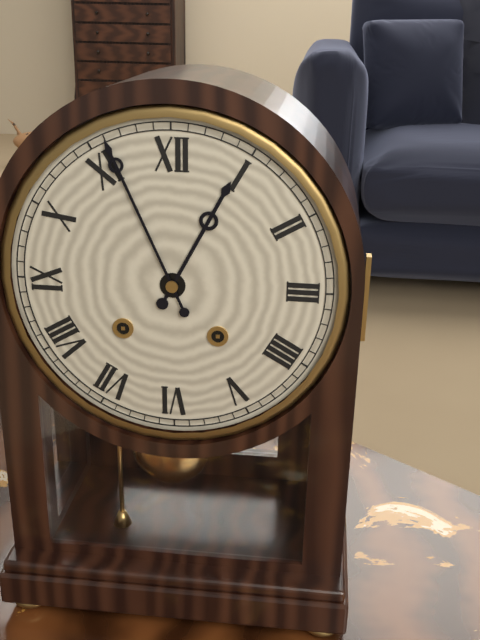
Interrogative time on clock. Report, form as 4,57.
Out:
12,56
